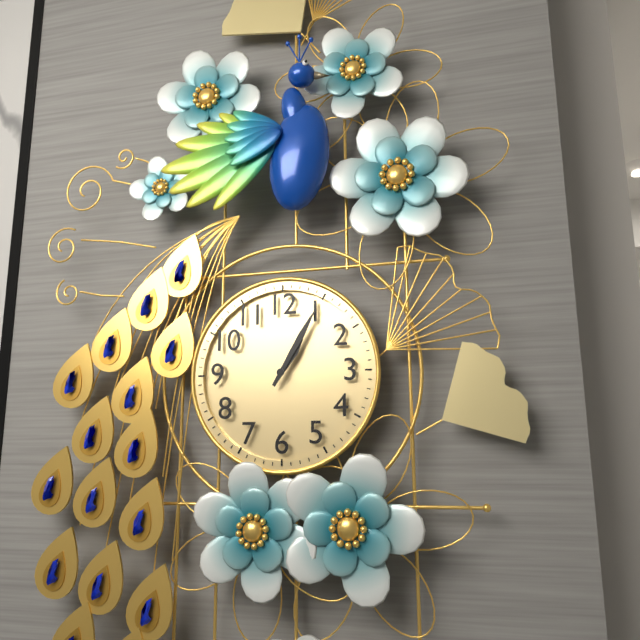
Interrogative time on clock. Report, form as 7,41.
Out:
1,05
